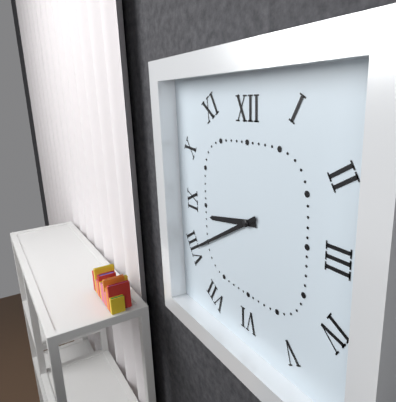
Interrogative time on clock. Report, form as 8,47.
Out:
8,40
